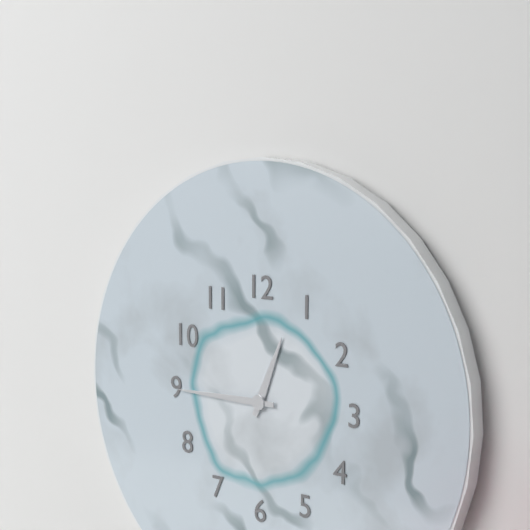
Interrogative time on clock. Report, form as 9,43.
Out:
12,45
